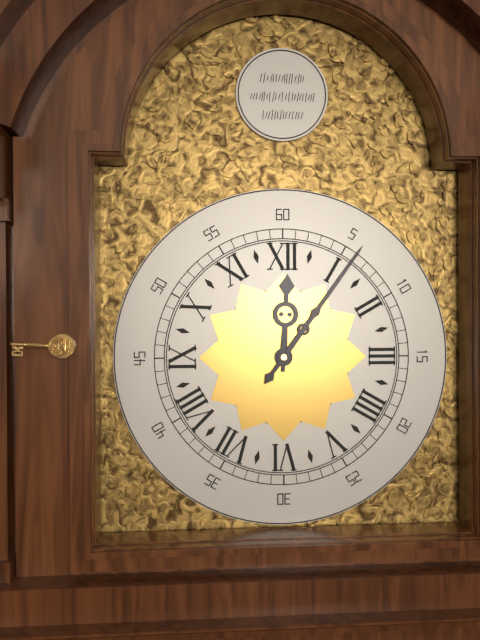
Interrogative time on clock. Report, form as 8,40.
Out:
12,06
